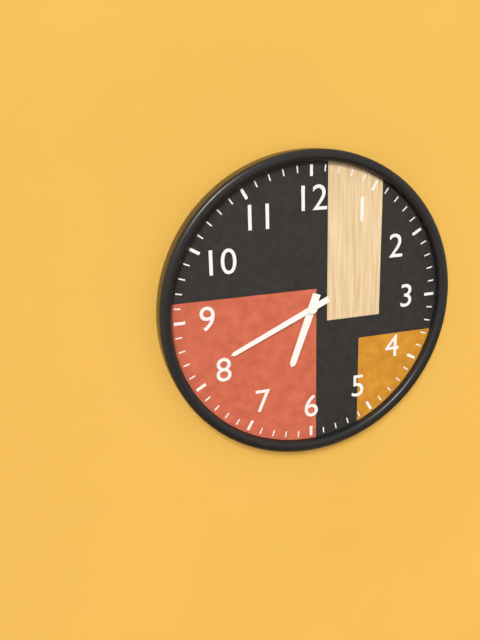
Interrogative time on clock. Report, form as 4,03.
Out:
6,41
